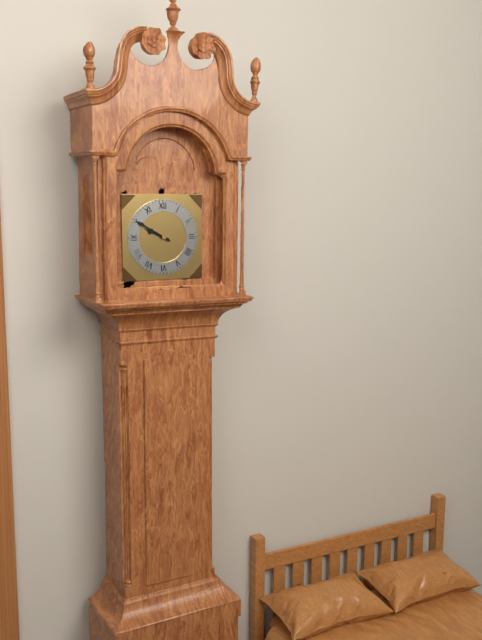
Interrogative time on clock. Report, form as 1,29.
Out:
9,50
